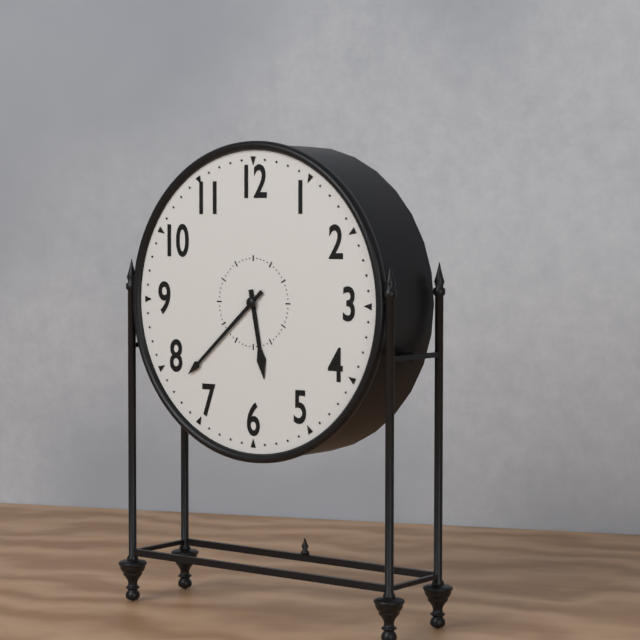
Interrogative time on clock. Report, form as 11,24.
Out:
5,38
